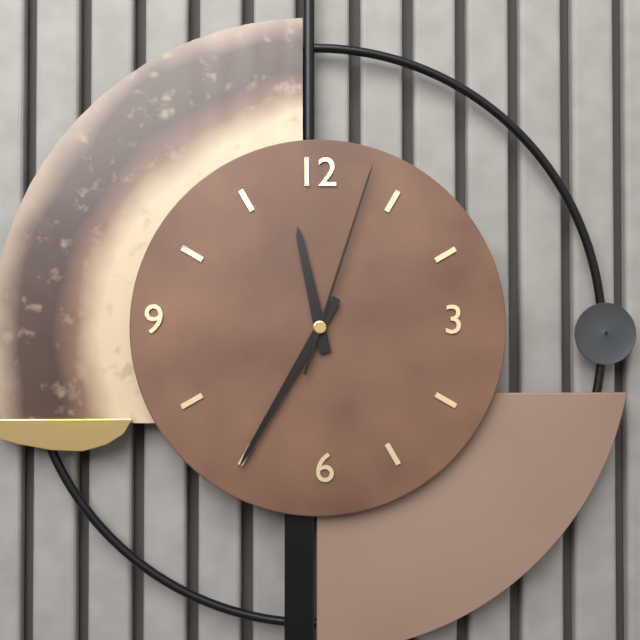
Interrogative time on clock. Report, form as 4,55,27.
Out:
11,35,03
